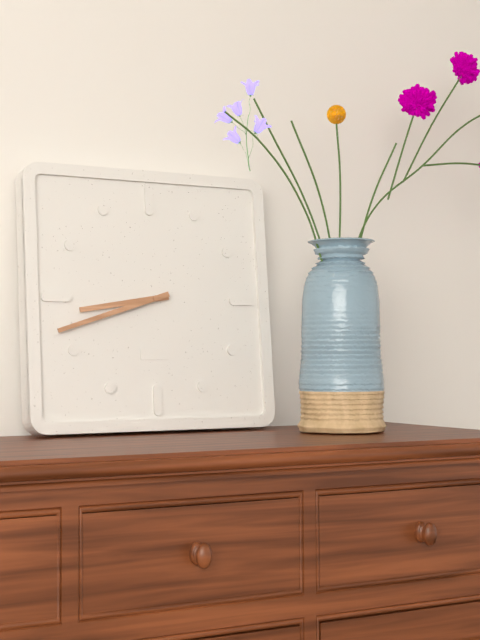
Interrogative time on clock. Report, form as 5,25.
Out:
8,42
